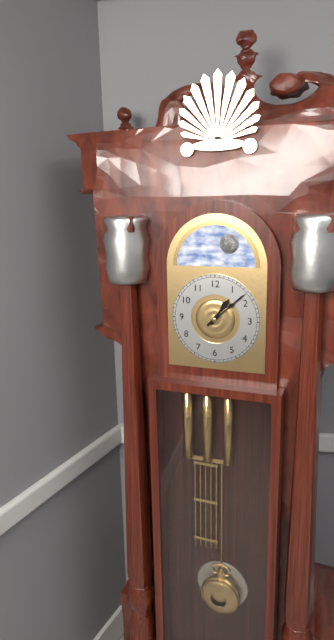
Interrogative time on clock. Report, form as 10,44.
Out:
1,08
